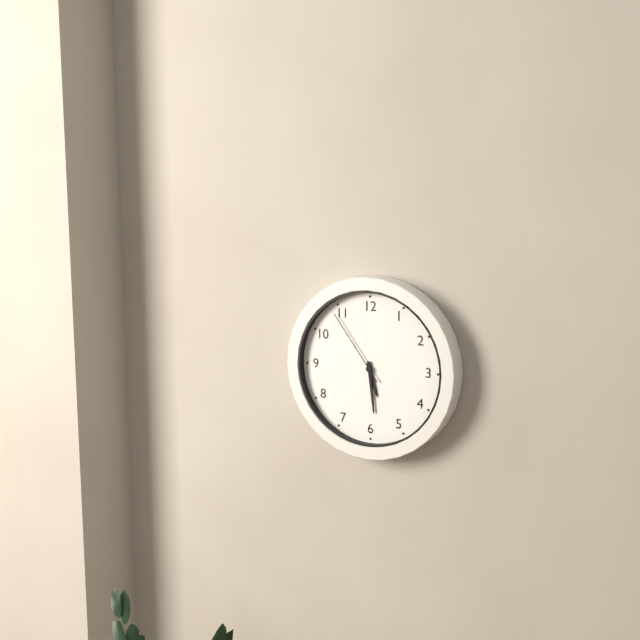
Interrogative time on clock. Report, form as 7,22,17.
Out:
5,29,54
